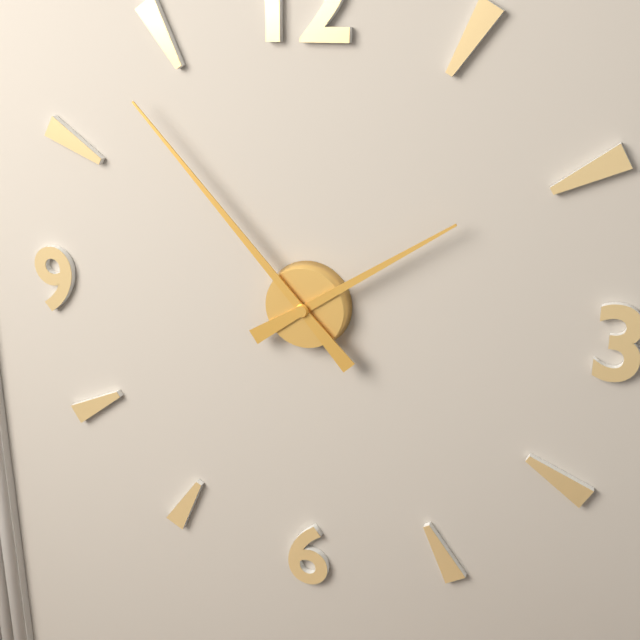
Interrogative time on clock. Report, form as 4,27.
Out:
1,53
